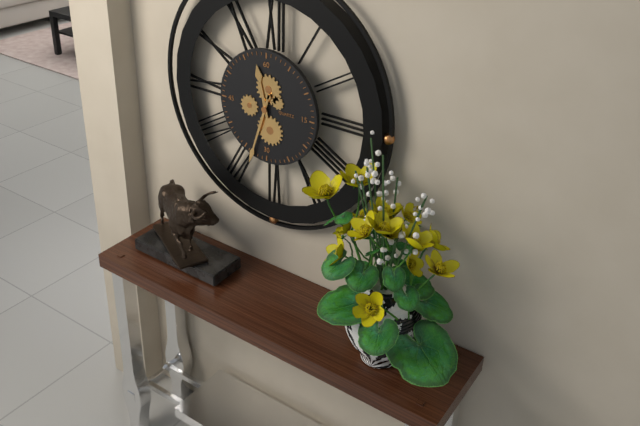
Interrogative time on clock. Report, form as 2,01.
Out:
11,33
